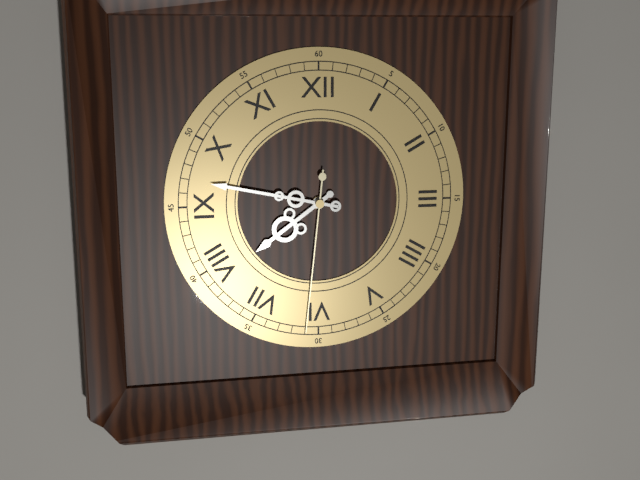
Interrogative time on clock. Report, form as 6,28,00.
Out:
7,47,31
